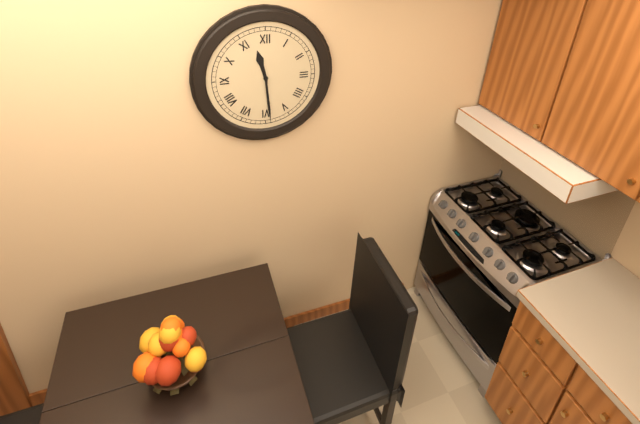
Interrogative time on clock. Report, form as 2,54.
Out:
11,29
